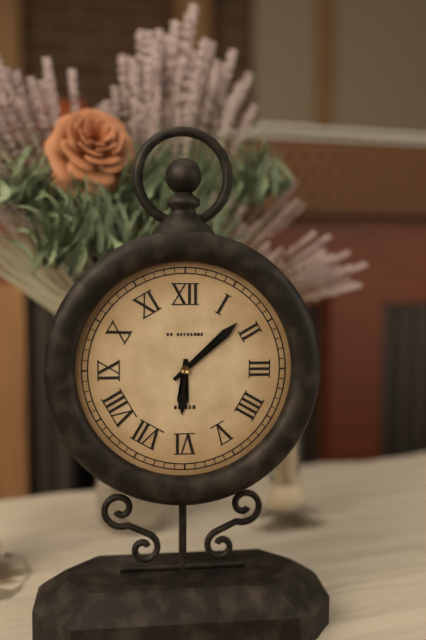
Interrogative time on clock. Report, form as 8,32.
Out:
6,08
